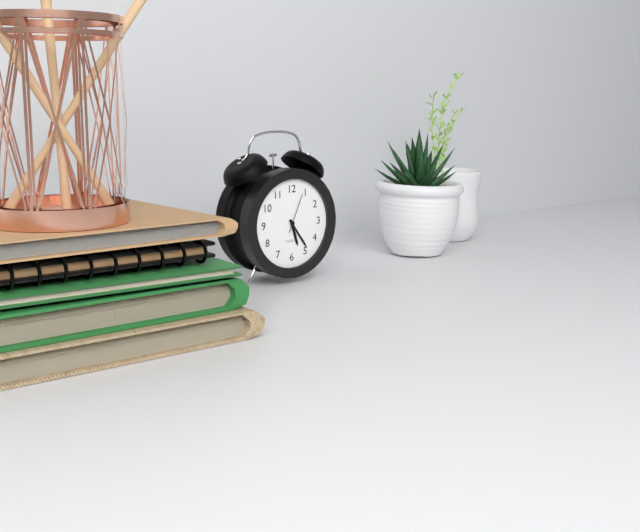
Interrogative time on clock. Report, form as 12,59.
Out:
5,24
